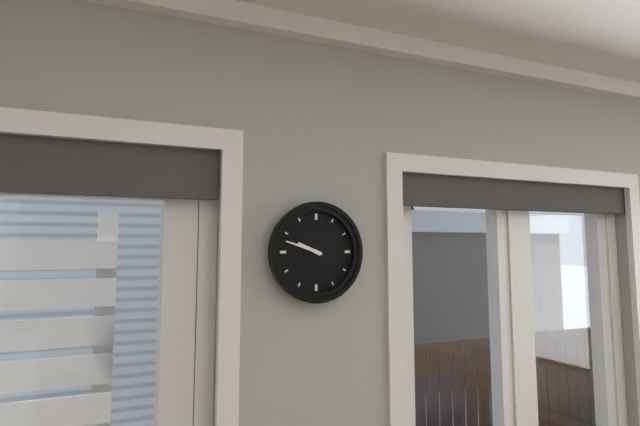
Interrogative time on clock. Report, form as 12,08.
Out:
9,48
